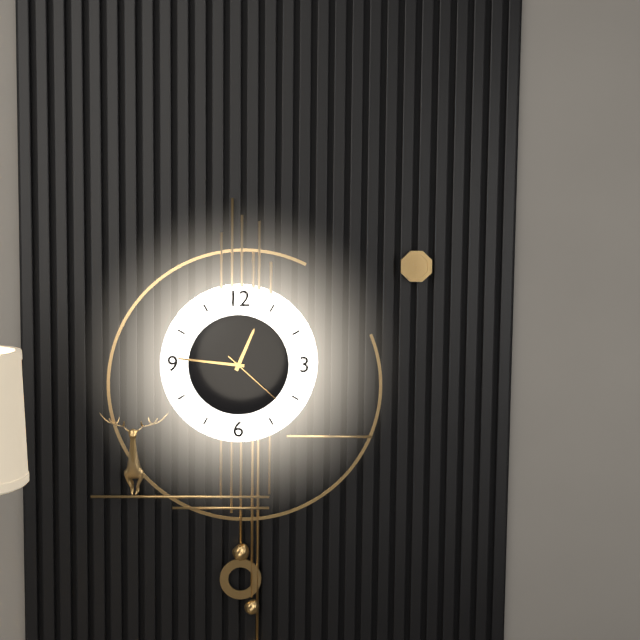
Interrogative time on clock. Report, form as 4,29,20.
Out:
12,46,22
